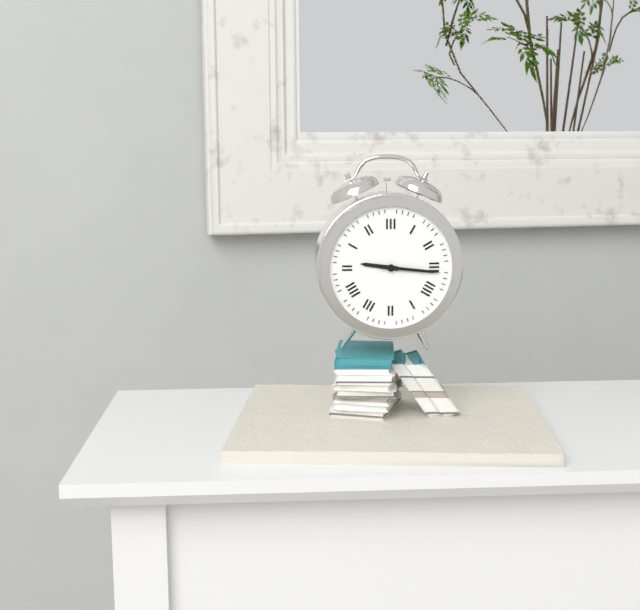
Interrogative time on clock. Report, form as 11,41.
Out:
9,16
